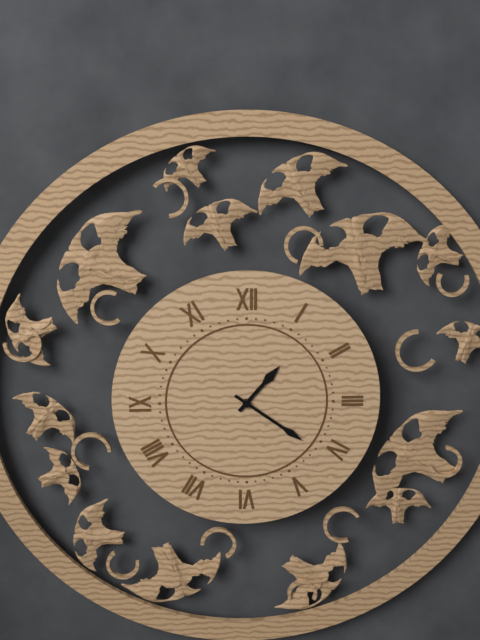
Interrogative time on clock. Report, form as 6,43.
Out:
1,21
